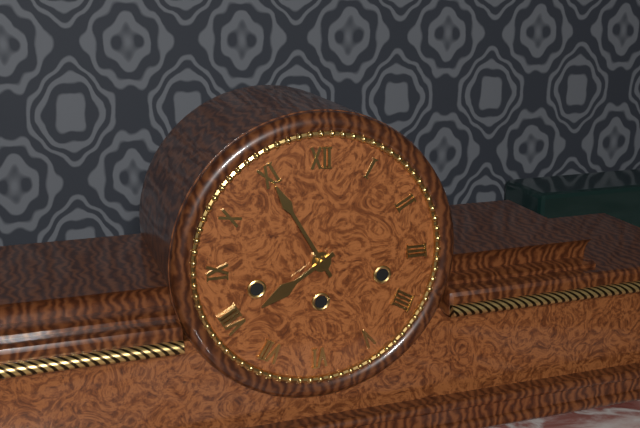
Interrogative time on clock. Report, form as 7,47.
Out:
7,55
